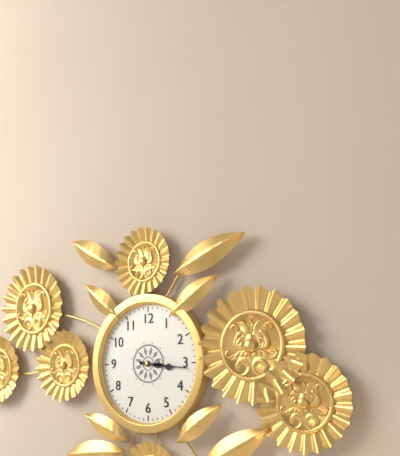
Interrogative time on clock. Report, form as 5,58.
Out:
3,16
